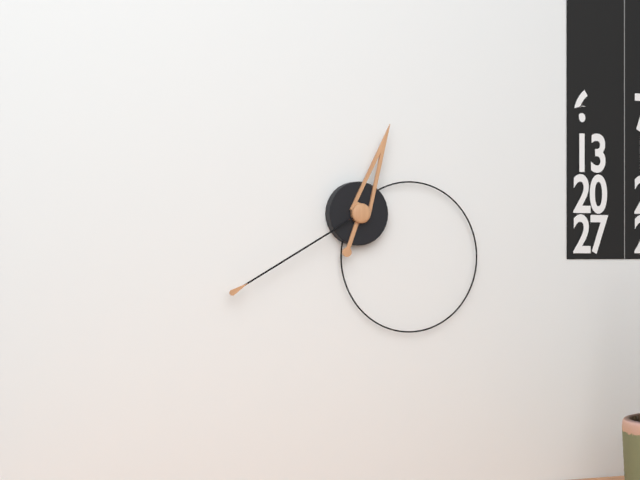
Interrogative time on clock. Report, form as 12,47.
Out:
12,40
